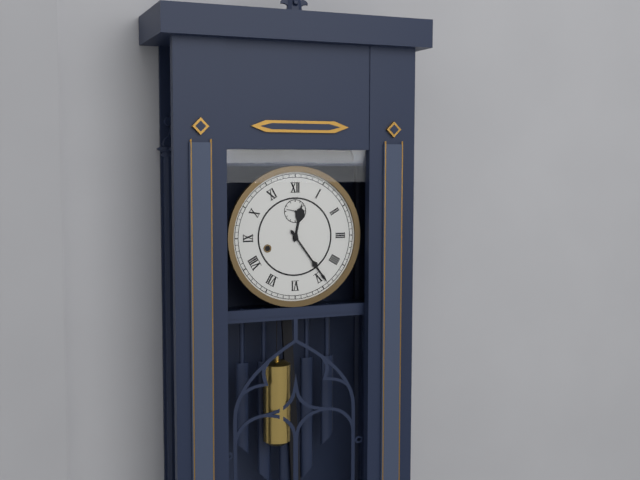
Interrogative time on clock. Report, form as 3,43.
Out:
12,24
